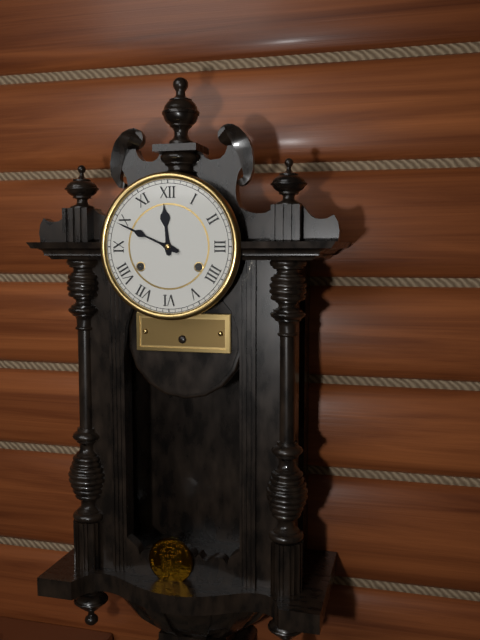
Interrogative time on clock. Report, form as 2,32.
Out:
11,49
